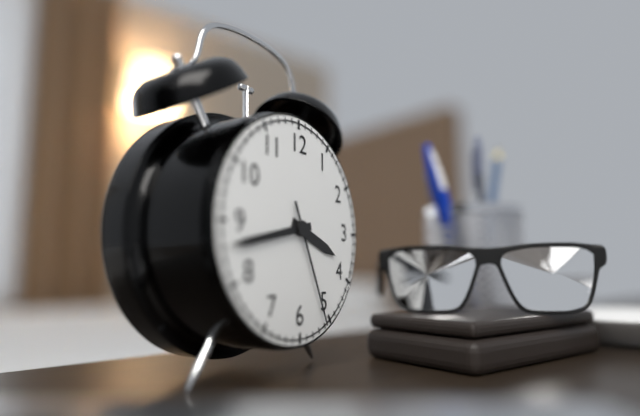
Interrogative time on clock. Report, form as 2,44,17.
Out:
3,43,26
